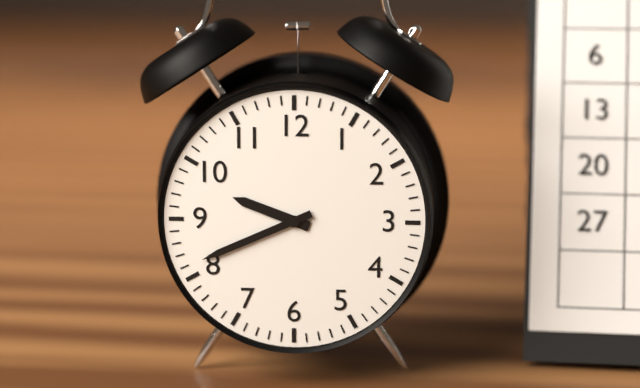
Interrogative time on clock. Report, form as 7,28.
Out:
9,41
